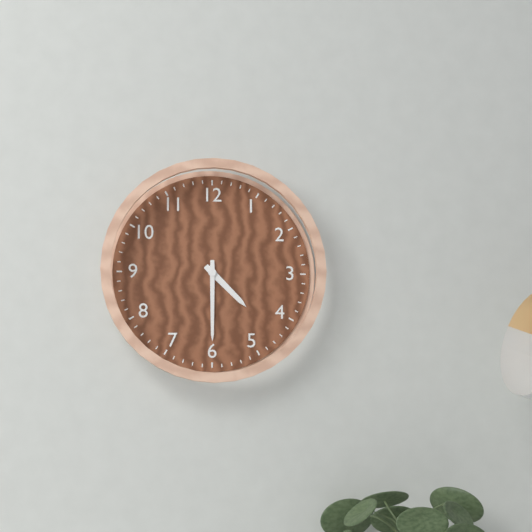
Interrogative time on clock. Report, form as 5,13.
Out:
4,30
